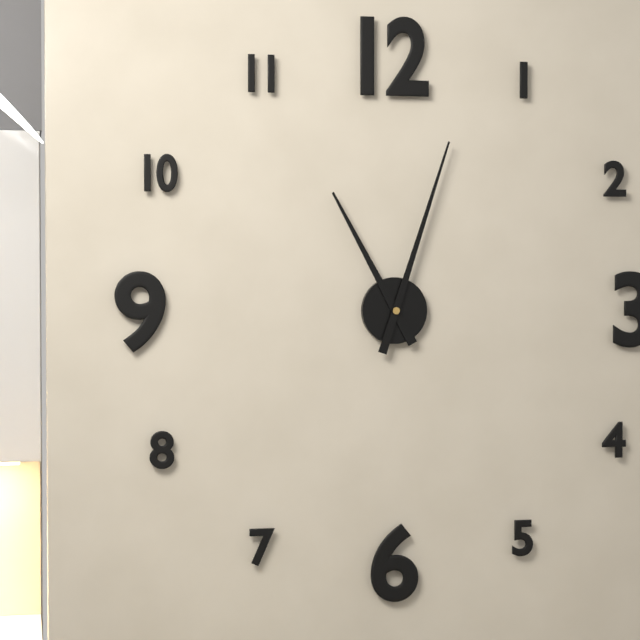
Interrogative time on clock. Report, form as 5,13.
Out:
11,03
